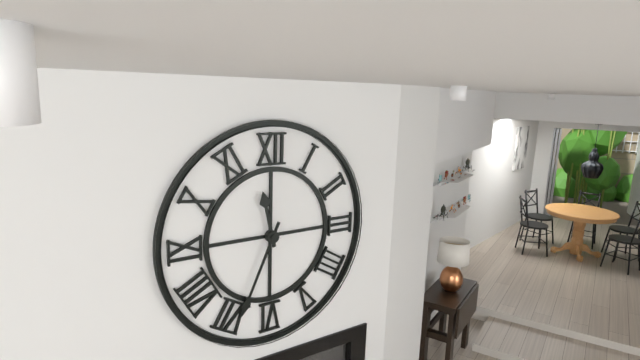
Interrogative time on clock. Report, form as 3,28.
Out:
11,34
